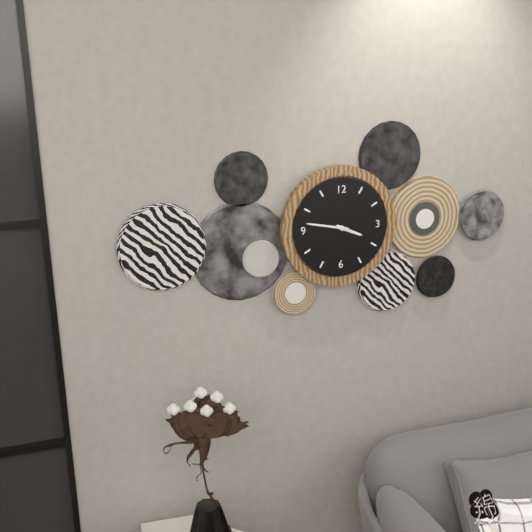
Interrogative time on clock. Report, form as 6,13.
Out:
3,47
